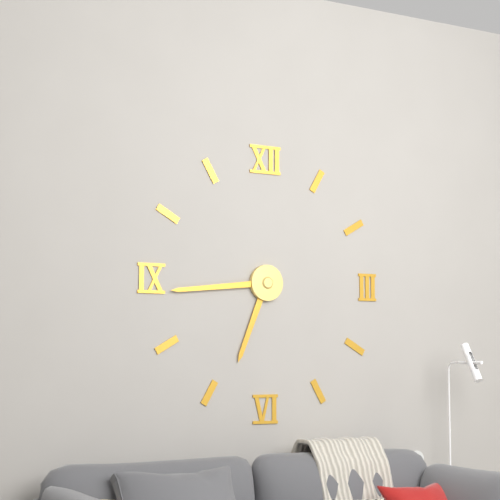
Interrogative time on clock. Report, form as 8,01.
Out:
6,44
